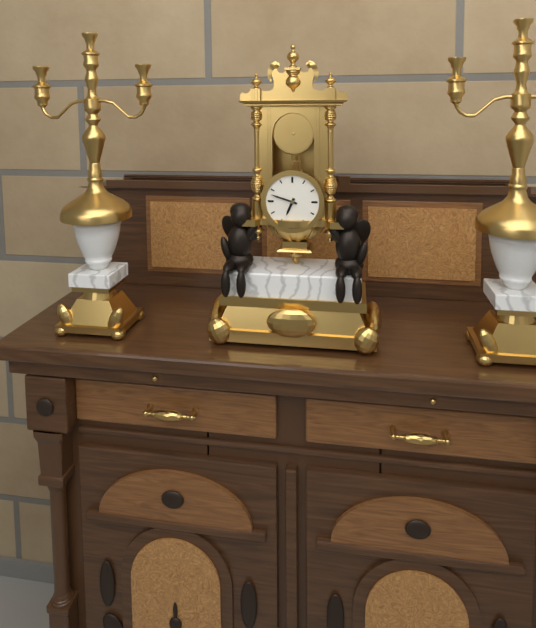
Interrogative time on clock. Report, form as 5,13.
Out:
6,48
